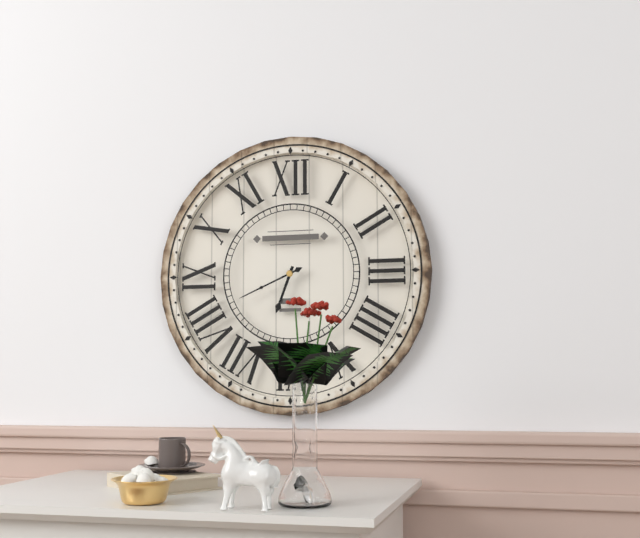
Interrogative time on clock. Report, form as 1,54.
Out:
6,41
